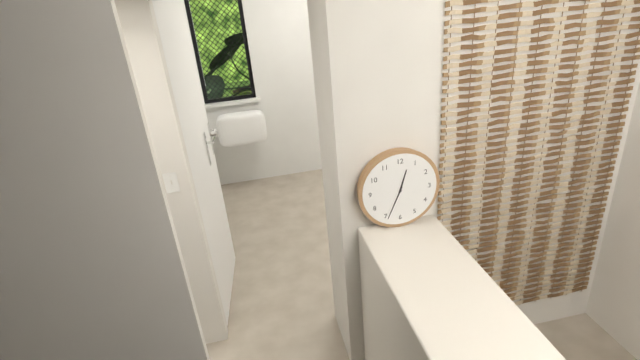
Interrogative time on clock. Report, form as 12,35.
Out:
12,34
